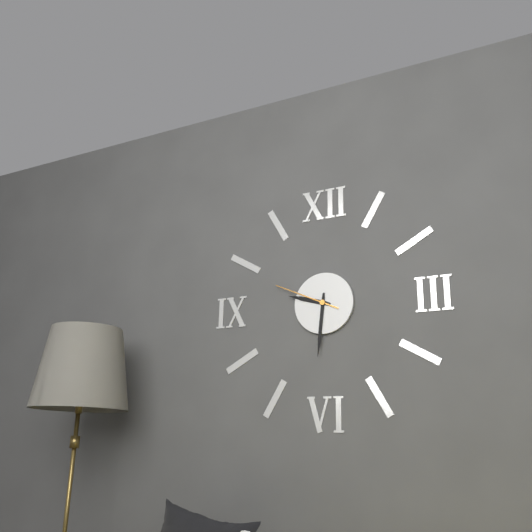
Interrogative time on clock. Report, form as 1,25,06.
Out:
9,31,49
